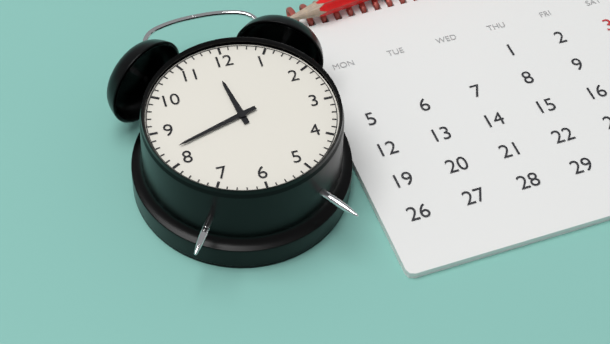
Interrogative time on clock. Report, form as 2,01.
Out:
11,42
